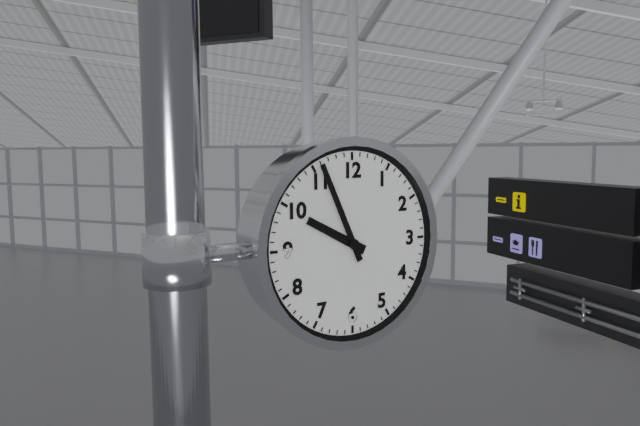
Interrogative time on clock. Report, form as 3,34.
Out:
9,56
